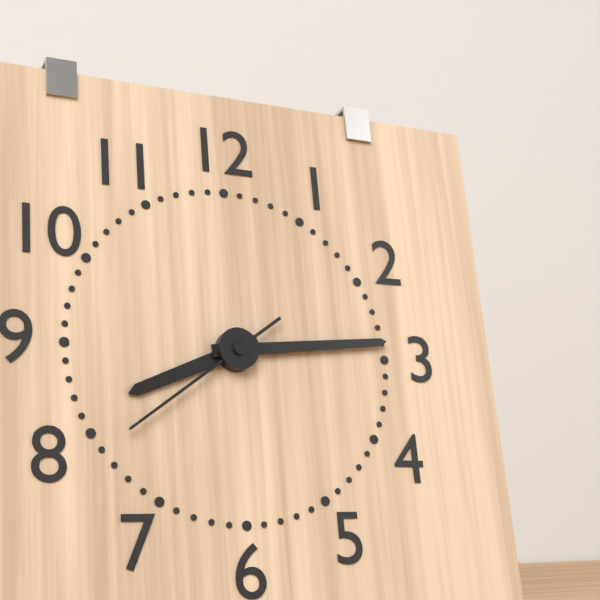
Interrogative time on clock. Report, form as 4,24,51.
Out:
8,14,39
